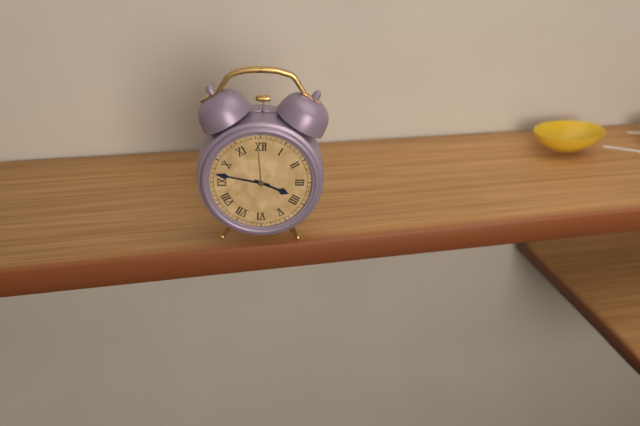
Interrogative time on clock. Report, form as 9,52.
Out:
3,47
